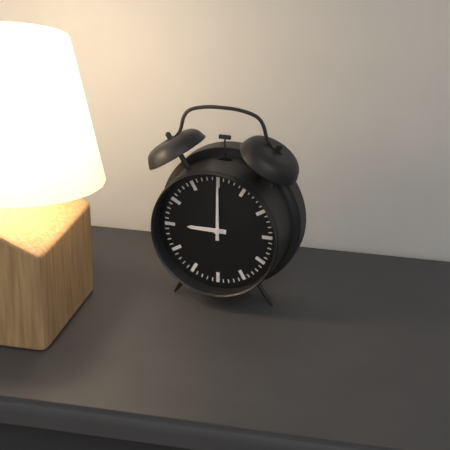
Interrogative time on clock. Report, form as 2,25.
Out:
9,00
